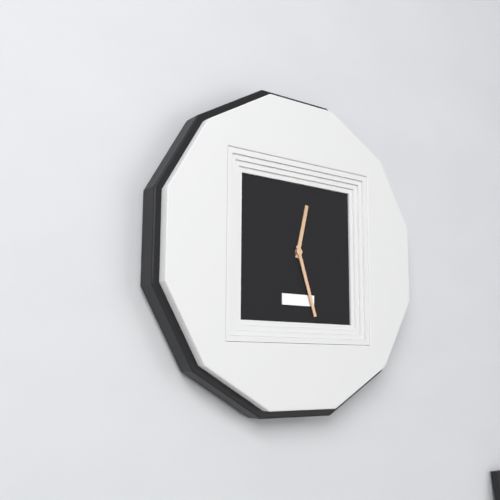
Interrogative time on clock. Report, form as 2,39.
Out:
12,27
